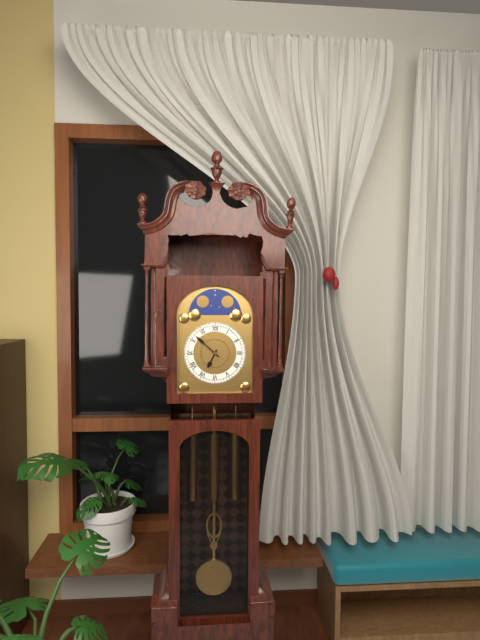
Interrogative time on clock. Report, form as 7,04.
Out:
6,52
